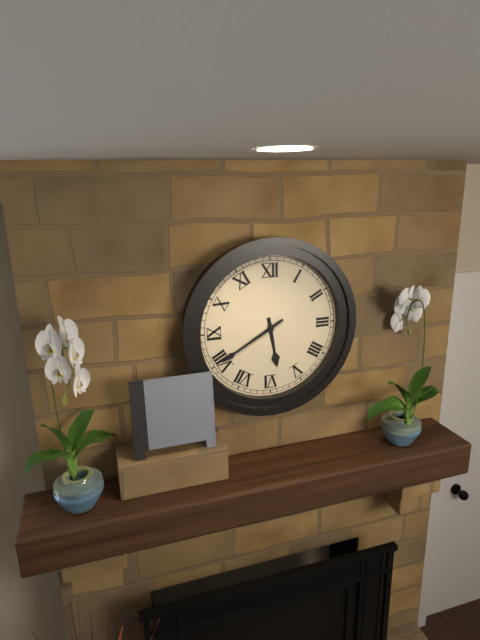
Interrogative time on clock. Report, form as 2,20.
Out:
5,40
